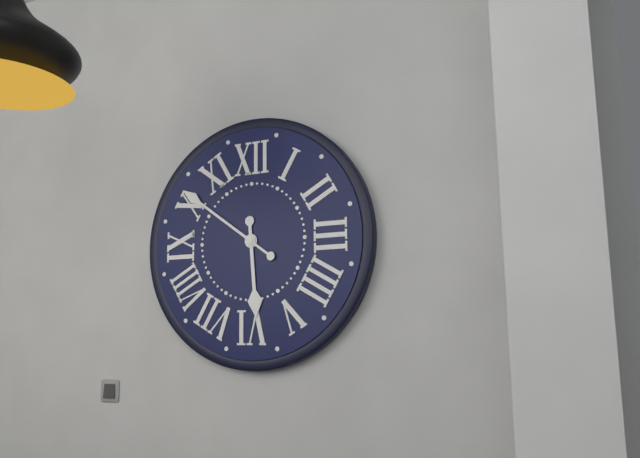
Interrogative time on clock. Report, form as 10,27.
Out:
5,51
